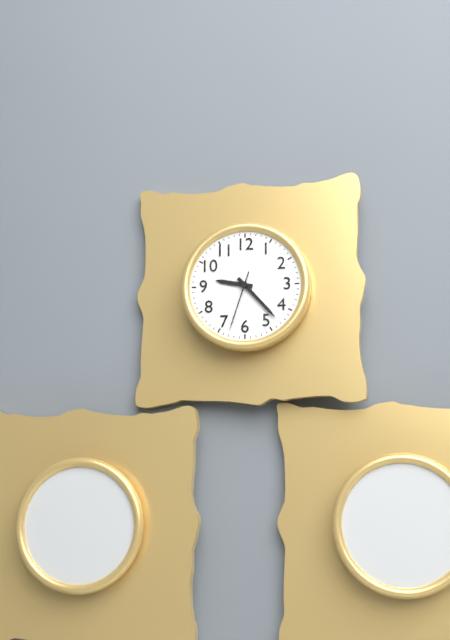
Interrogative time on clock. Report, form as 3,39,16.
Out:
9,23,33
